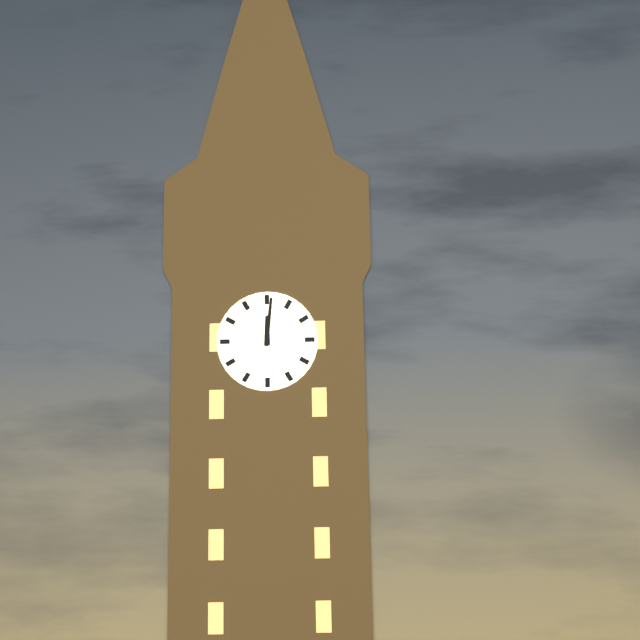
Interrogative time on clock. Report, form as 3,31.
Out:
12,01
